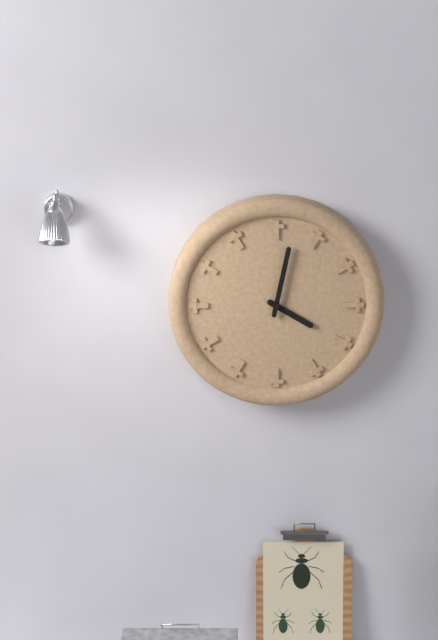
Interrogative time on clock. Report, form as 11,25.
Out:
4,02
